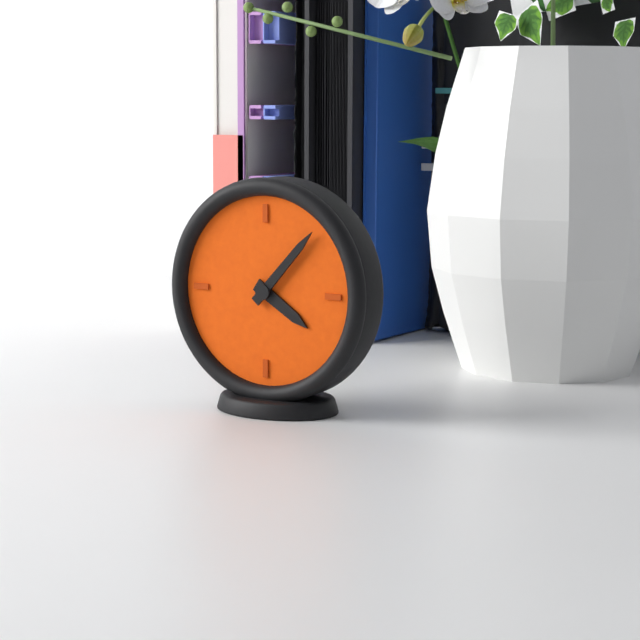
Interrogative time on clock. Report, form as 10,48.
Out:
4,07
